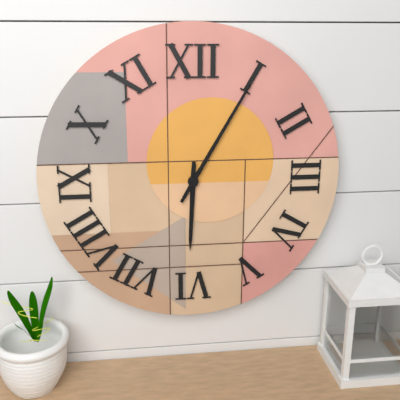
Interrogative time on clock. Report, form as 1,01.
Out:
6,05
